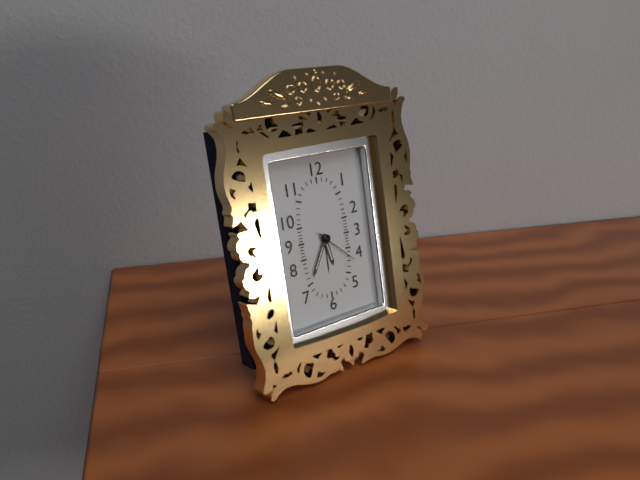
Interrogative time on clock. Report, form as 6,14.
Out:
5,35
